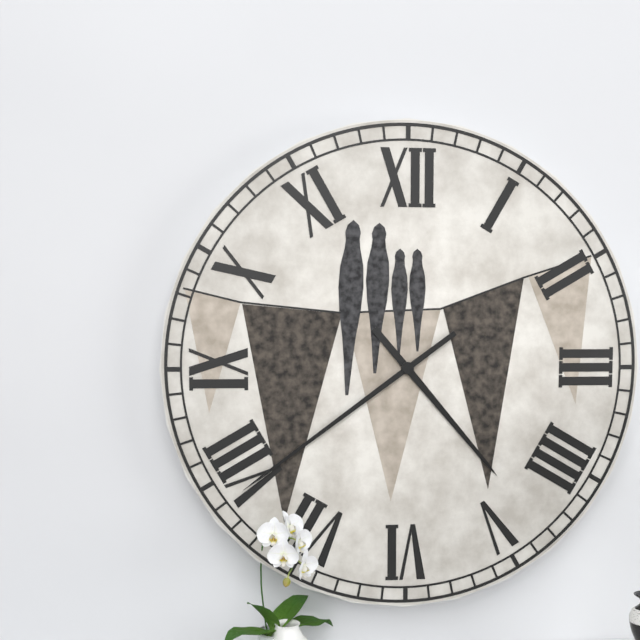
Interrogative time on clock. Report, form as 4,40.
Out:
4,39
